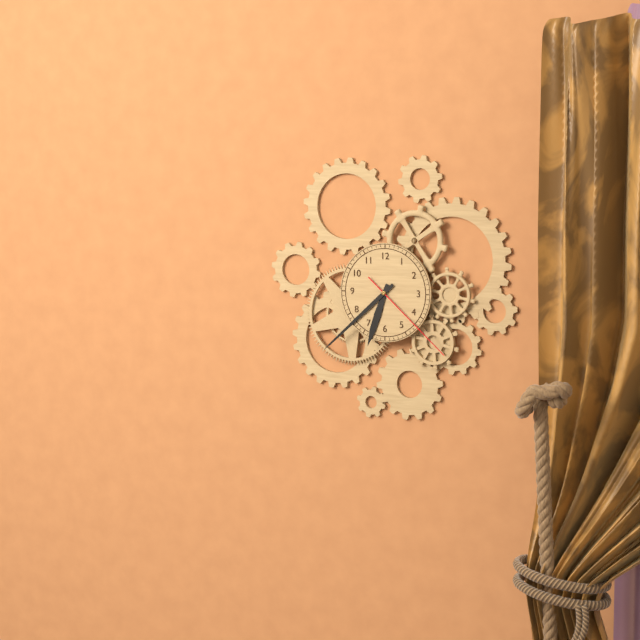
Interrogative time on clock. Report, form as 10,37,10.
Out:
6,38,22
